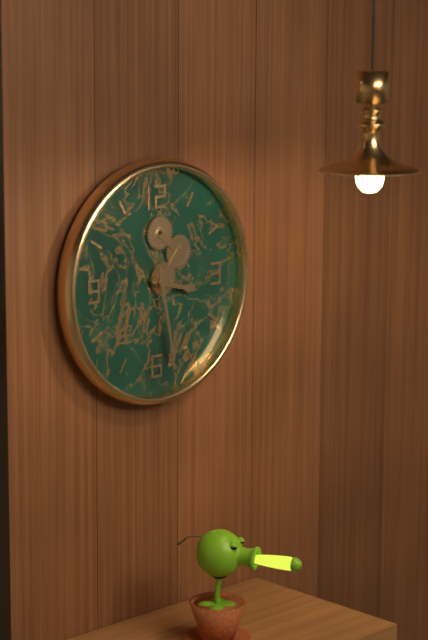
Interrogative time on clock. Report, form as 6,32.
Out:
3,28
